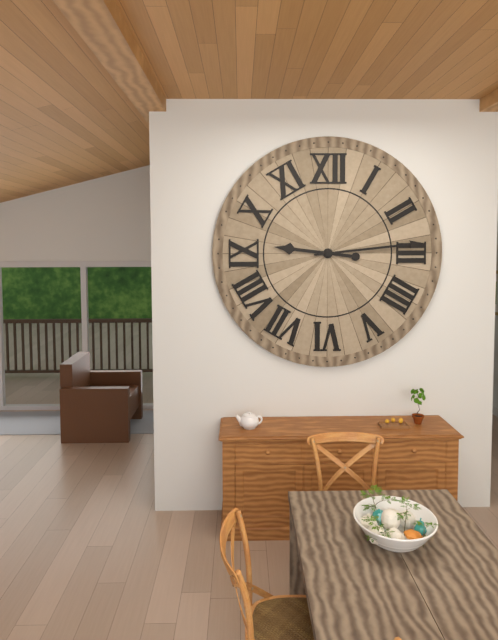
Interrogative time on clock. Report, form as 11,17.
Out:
9,14
